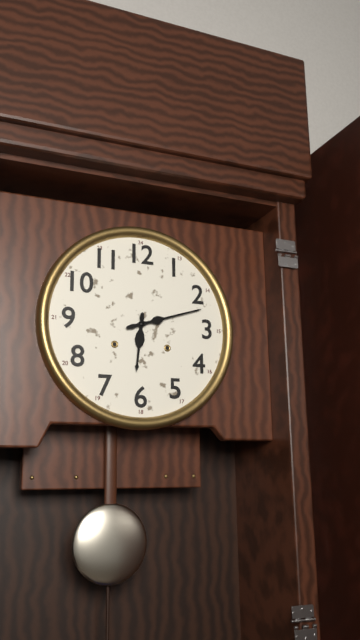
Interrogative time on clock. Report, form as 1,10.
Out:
6,12
